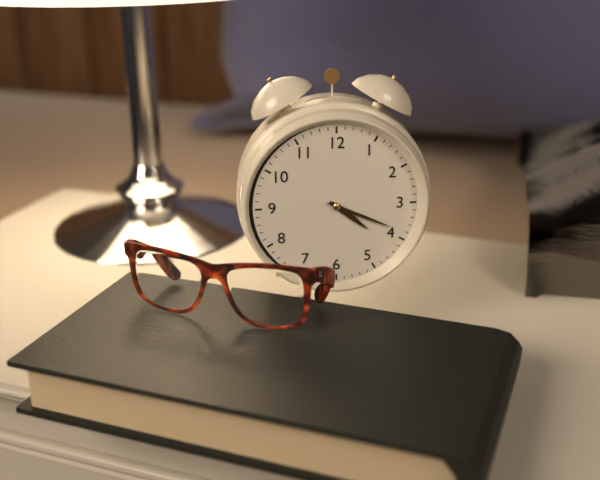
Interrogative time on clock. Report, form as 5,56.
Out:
4,19
